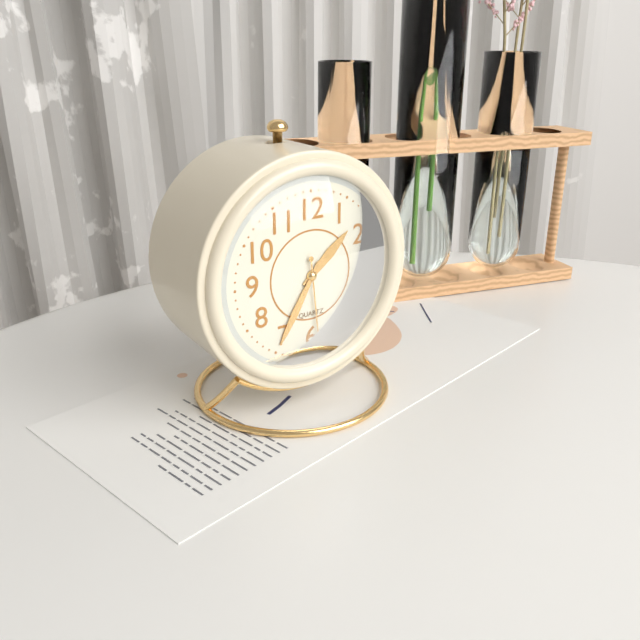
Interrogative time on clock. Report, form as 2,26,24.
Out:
1,35,29
